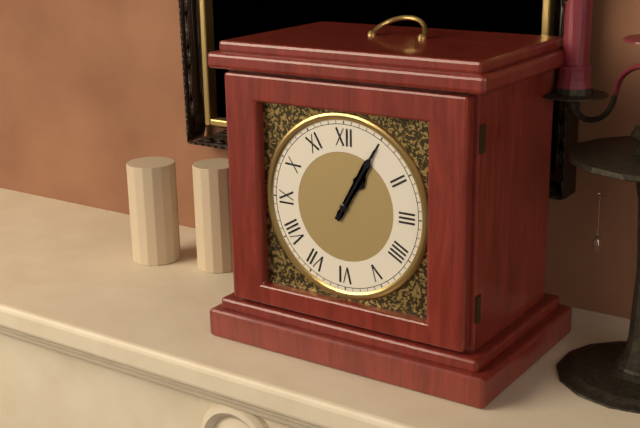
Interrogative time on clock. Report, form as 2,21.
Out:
1,05
